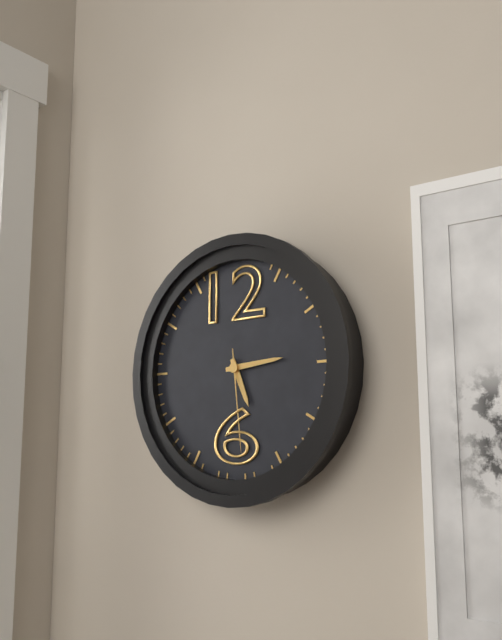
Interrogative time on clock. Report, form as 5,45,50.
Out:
5,14,29
